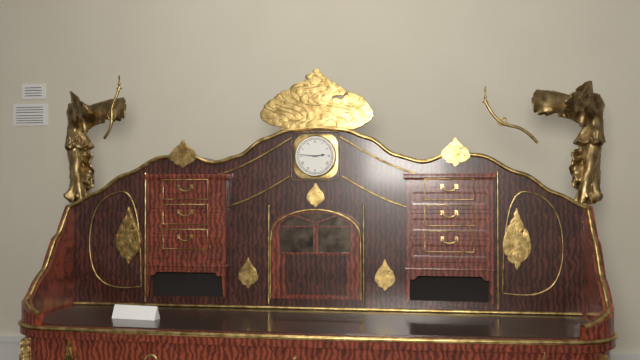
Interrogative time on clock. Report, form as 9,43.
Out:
2,46
